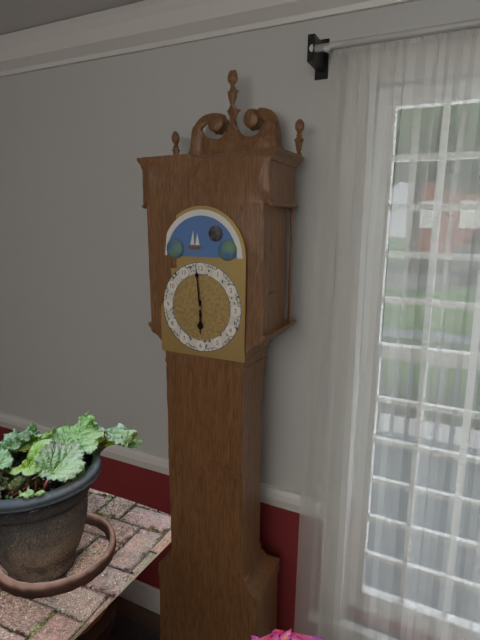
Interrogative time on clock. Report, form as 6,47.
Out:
5,59
